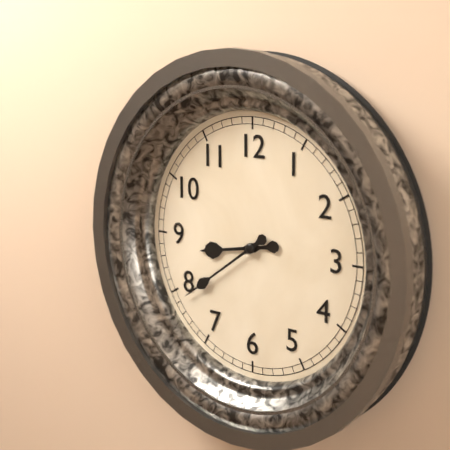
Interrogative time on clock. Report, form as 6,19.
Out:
8,39
